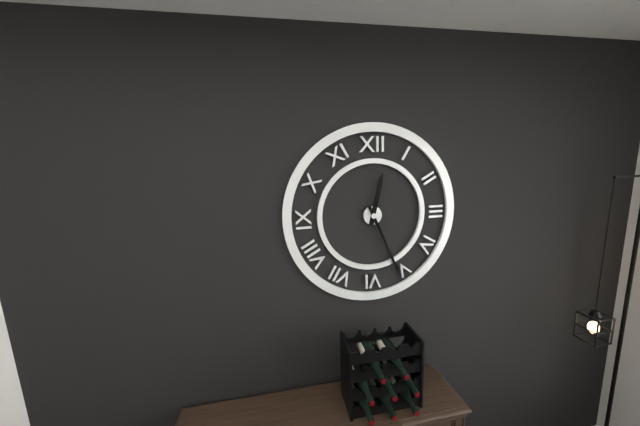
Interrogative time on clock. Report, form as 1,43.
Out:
12,26
